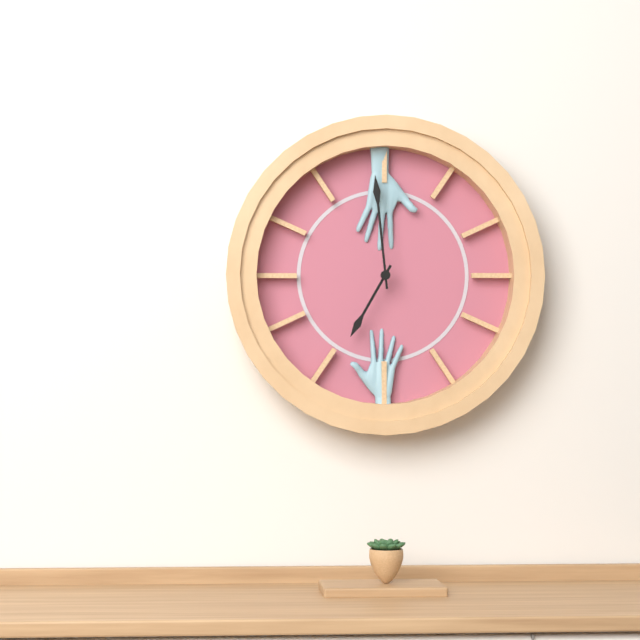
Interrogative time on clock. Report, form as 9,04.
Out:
6,59
